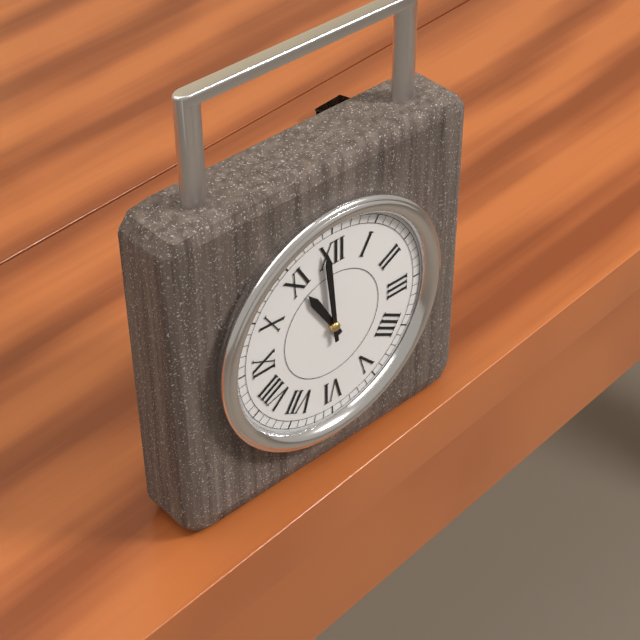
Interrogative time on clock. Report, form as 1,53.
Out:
10,59
